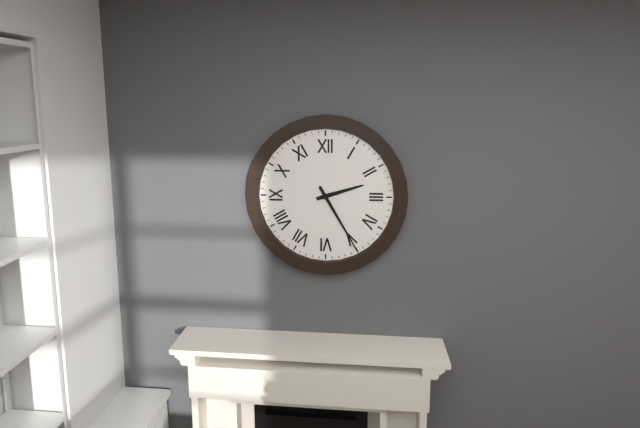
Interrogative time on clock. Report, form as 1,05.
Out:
2,25
